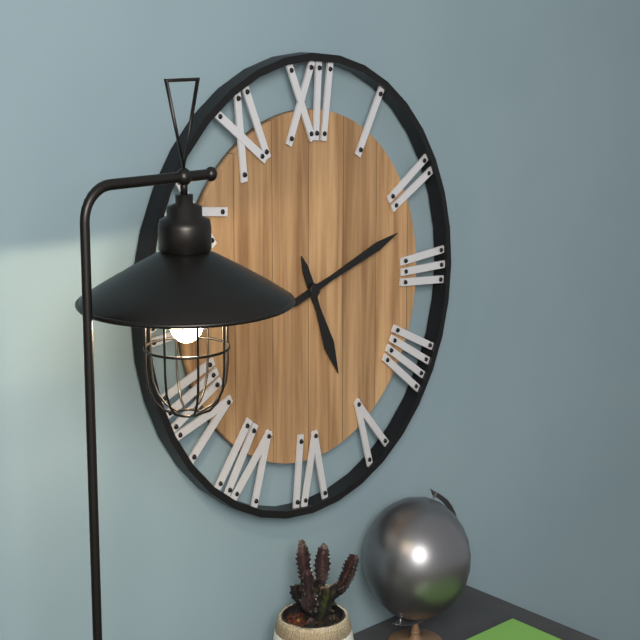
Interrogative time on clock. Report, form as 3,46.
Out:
5,12
